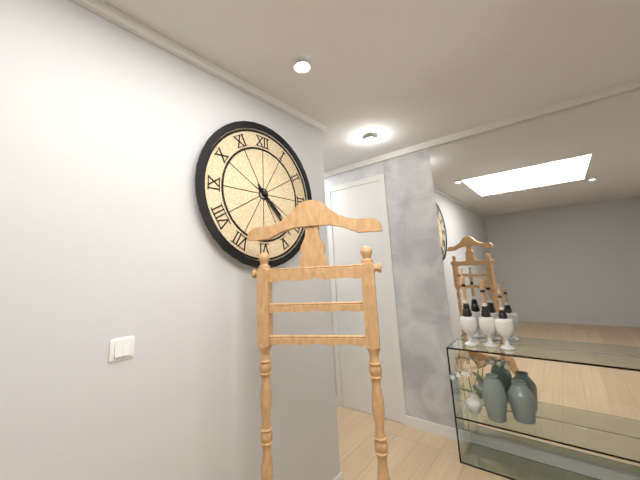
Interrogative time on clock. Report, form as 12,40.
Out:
4,23
